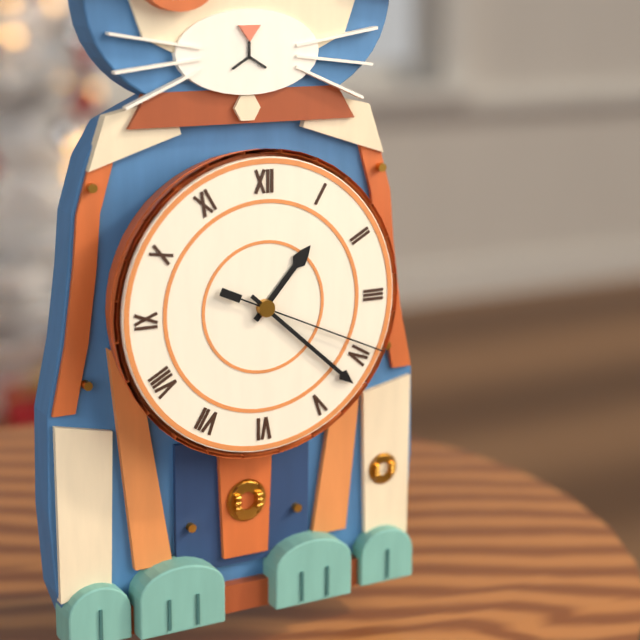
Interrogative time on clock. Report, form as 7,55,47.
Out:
1,22,19
